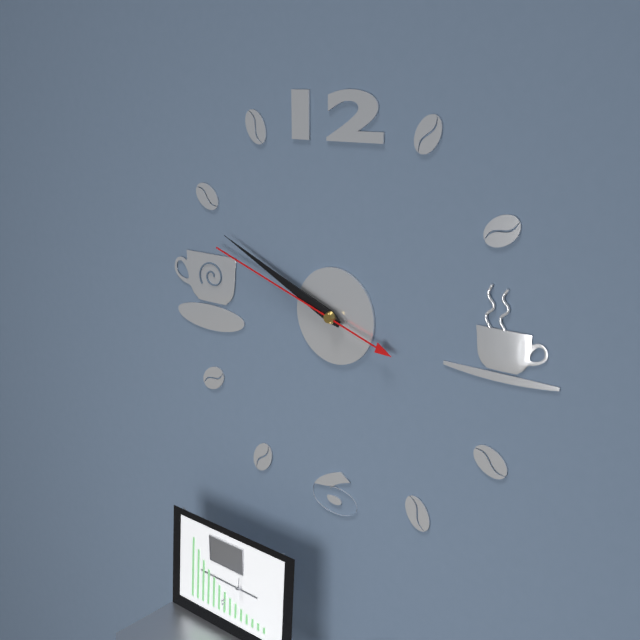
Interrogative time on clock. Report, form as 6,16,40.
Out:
9,49,48
